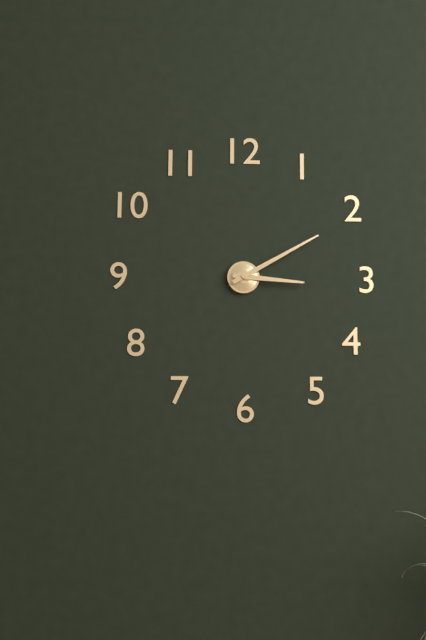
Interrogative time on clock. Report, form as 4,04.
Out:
3,10
